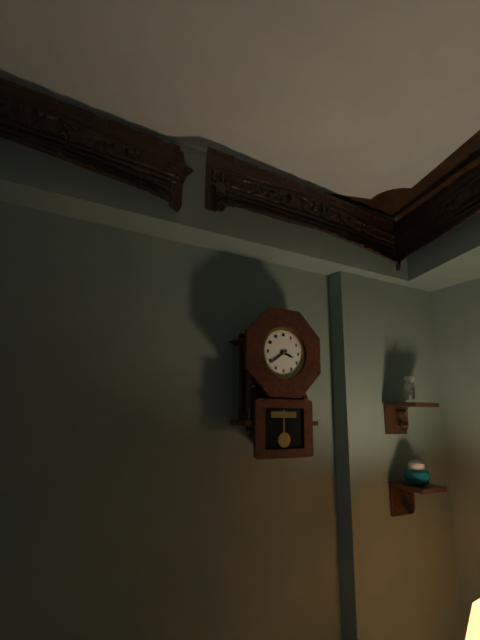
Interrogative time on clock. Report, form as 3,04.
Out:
3,39
